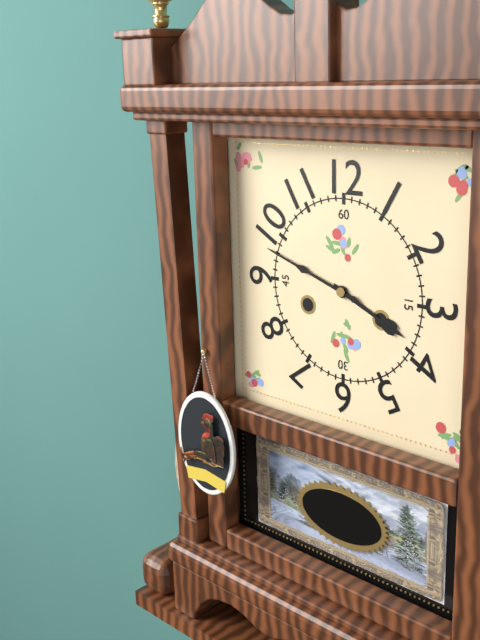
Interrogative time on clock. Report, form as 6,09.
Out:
3,48
